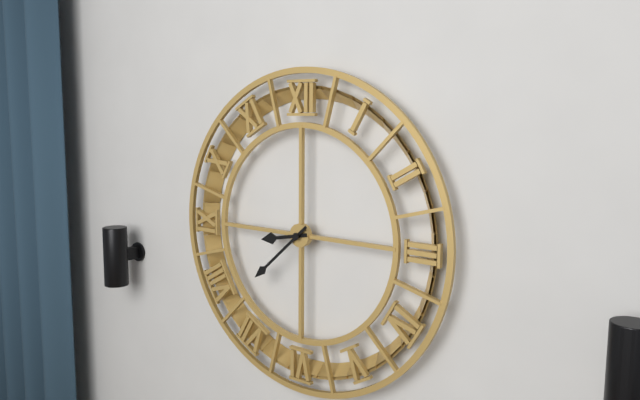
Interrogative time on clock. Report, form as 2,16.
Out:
8,38
